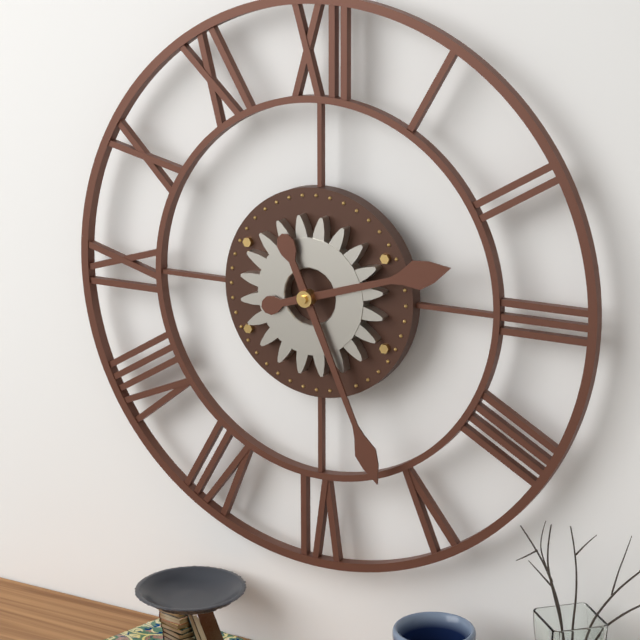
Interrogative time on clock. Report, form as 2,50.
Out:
2,26
